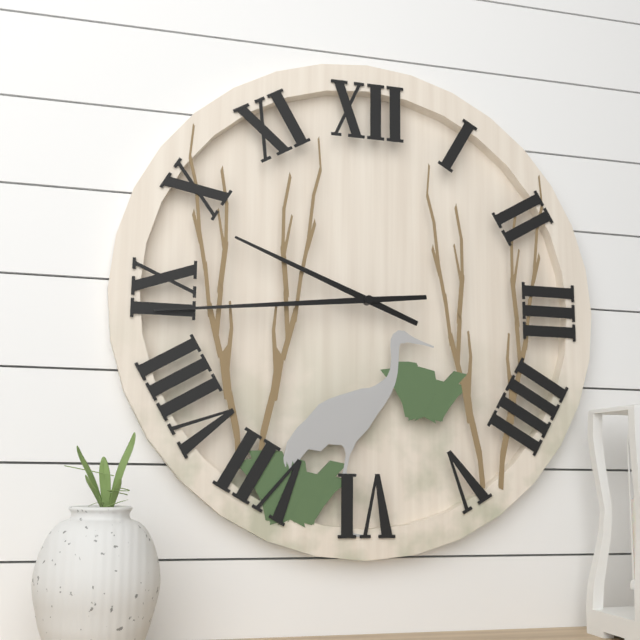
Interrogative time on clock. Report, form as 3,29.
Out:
9,44
